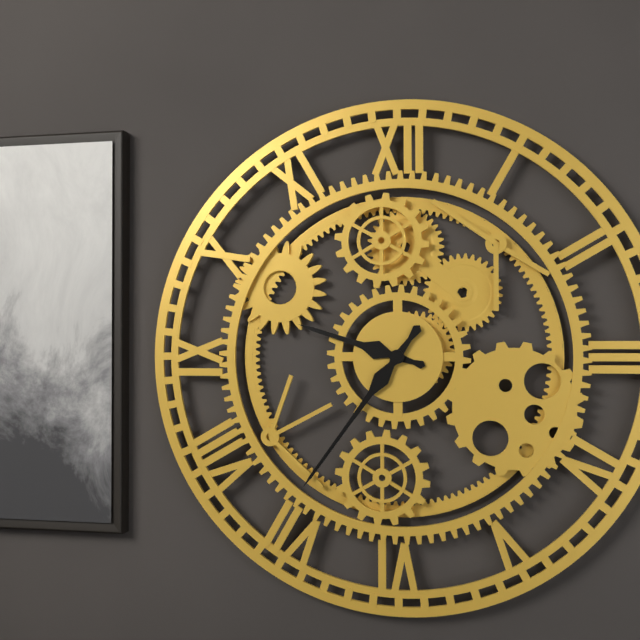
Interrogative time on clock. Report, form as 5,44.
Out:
9,36
